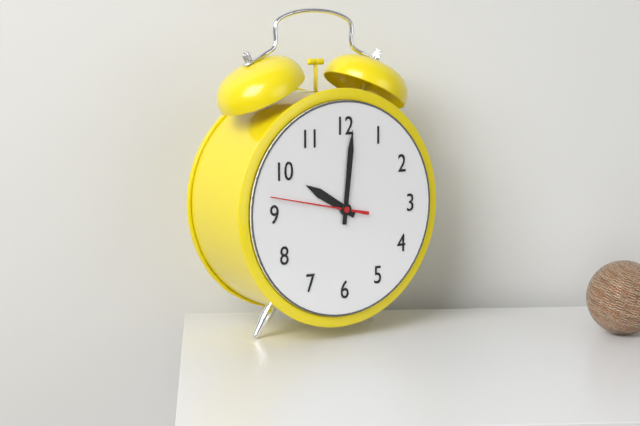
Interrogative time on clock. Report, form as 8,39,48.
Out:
10,01,47
